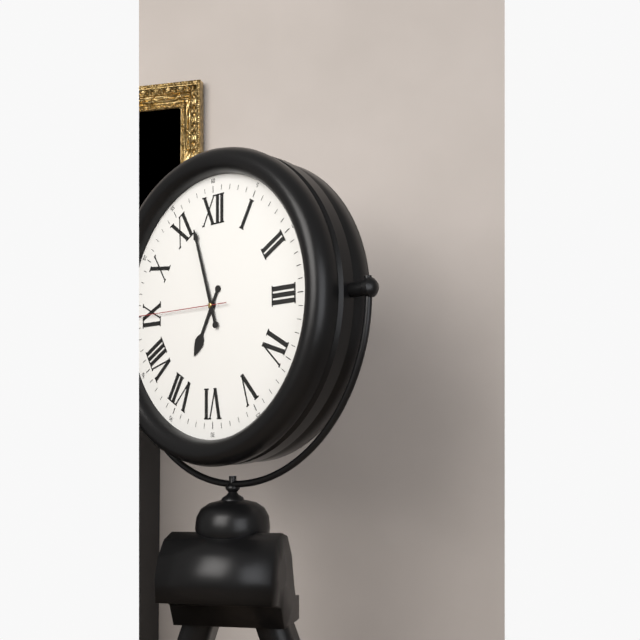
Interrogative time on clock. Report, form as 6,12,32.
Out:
6,57,45
